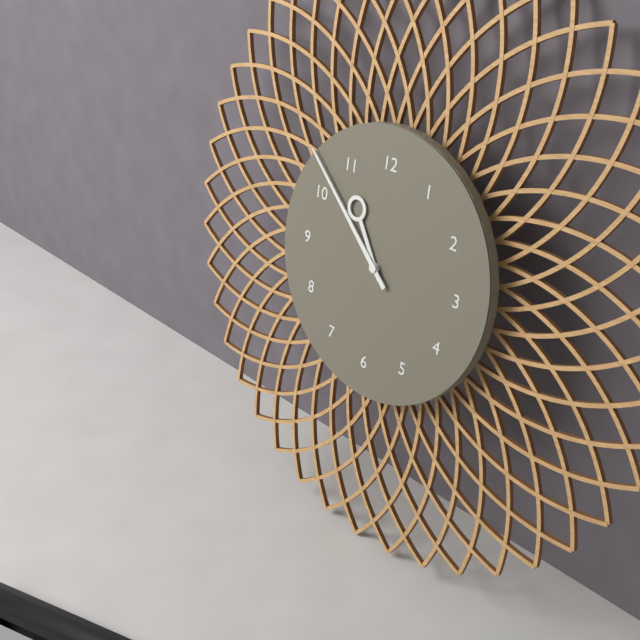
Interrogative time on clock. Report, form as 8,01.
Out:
10,52
